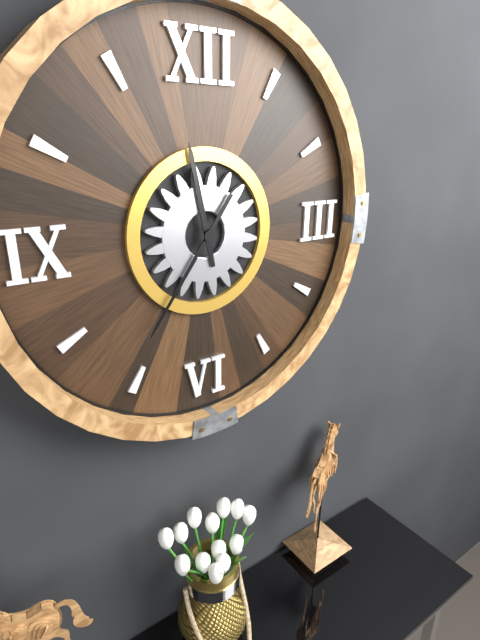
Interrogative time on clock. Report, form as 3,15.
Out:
11,36
